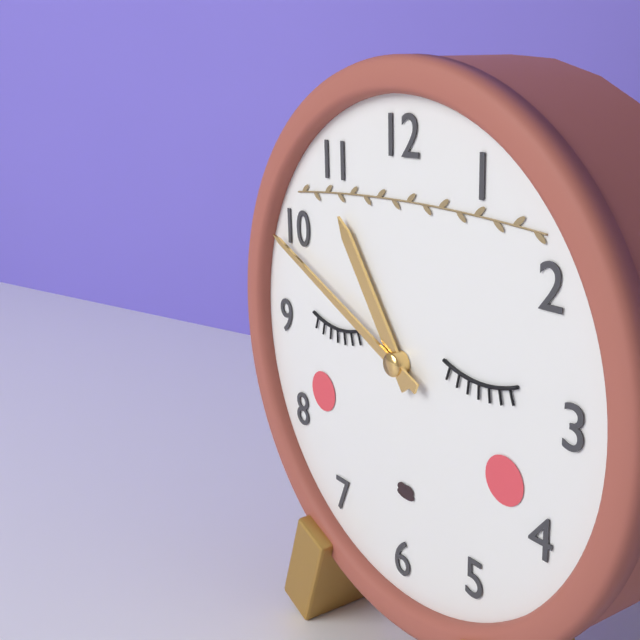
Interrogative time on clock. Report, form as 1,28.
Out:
10,49
